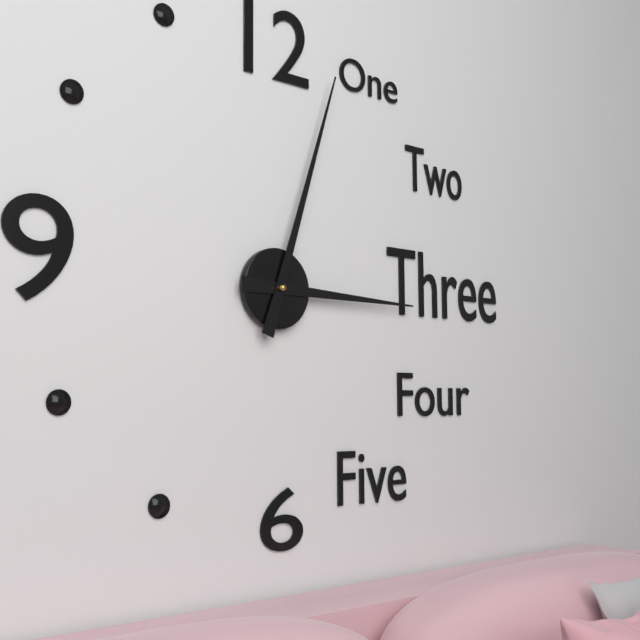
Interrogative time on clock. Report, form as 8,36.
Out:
3,03
